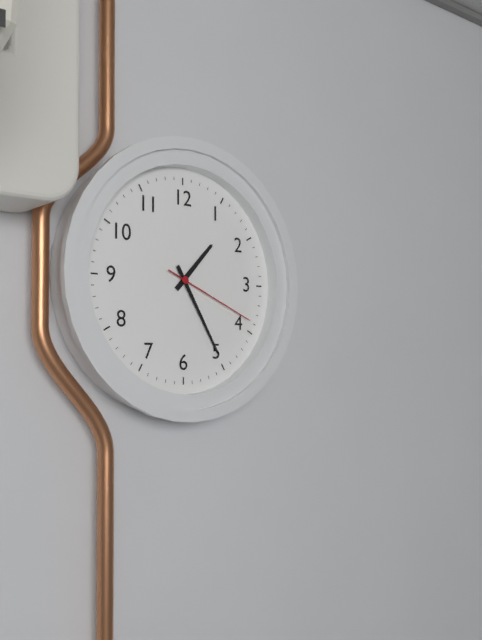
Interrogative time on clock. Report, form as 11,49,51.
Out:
1,25,19
